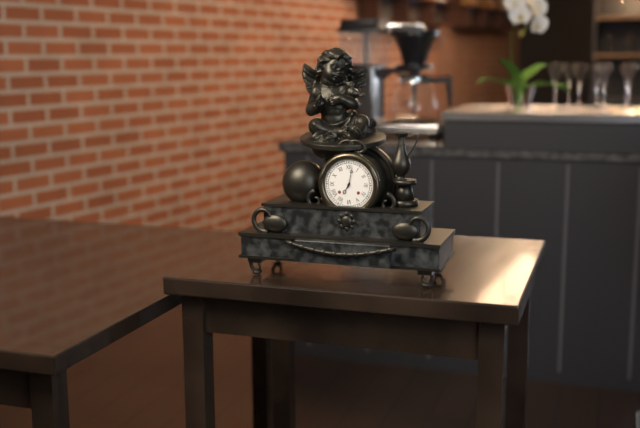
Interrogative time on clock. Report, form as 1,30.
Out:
7,02
